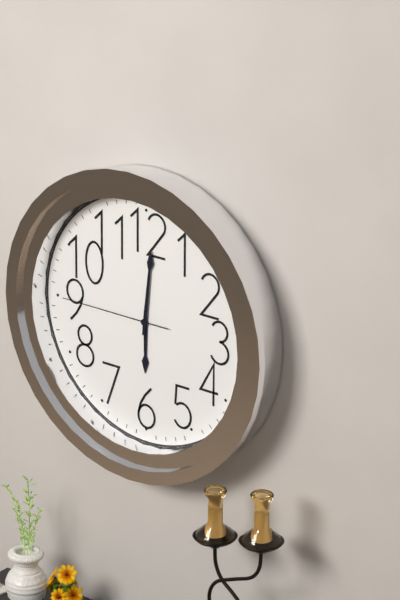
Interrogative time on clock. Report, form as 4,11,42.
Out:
6,01,45
